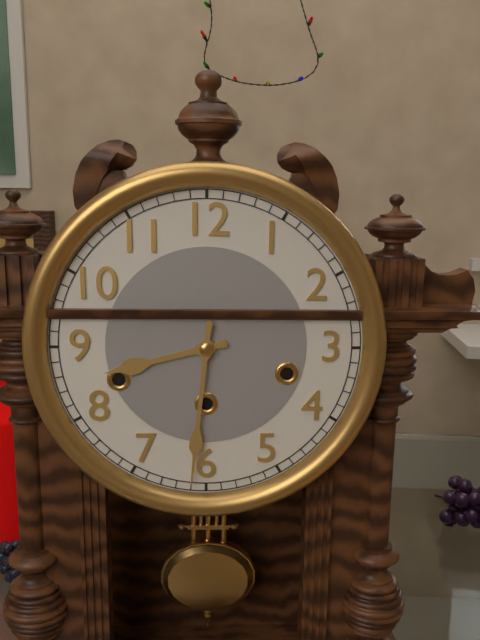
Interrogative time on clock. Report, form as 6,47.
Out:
8,31
